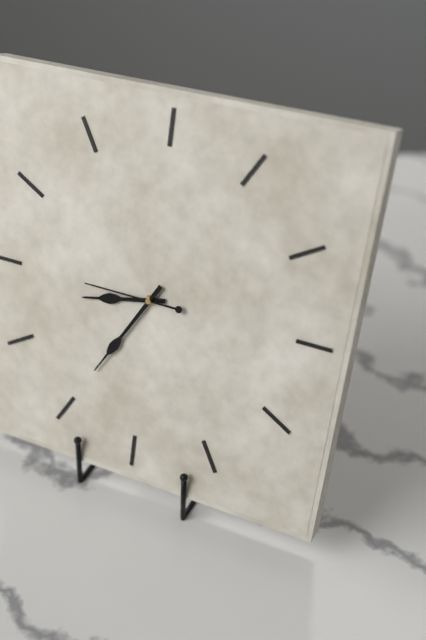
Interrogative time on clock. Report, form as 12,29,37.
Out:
8,35,45
